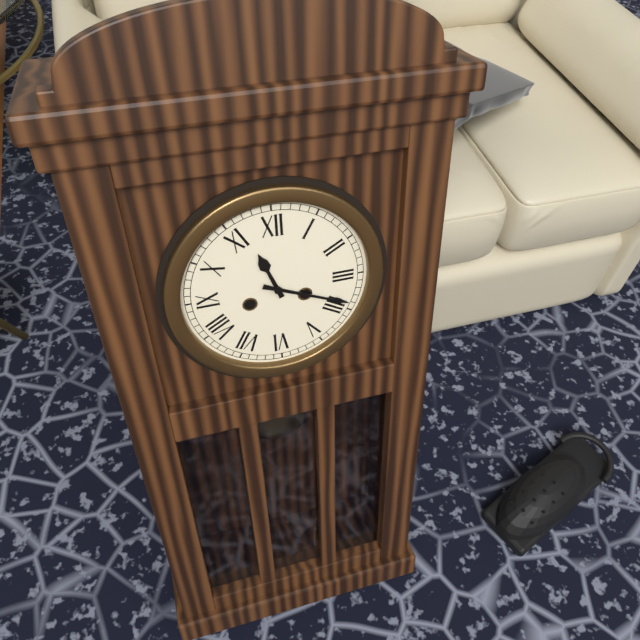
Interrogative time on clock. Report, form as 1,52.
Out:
11,19
